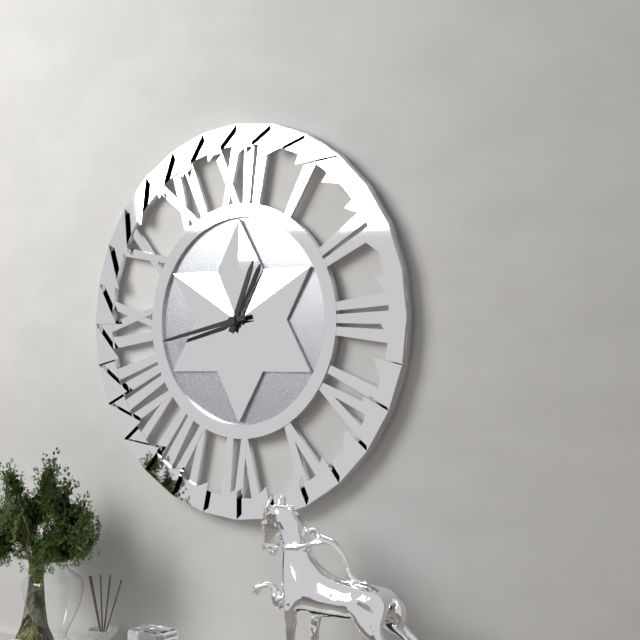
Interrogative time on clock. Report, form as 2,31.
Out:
12,43
